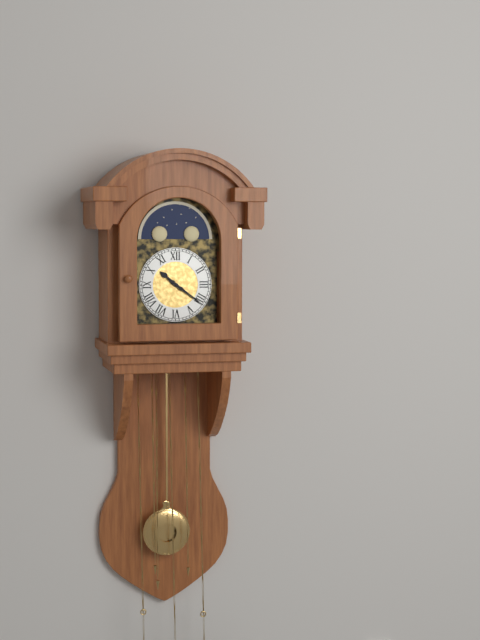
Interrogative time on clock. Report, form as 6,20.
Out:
10,21
